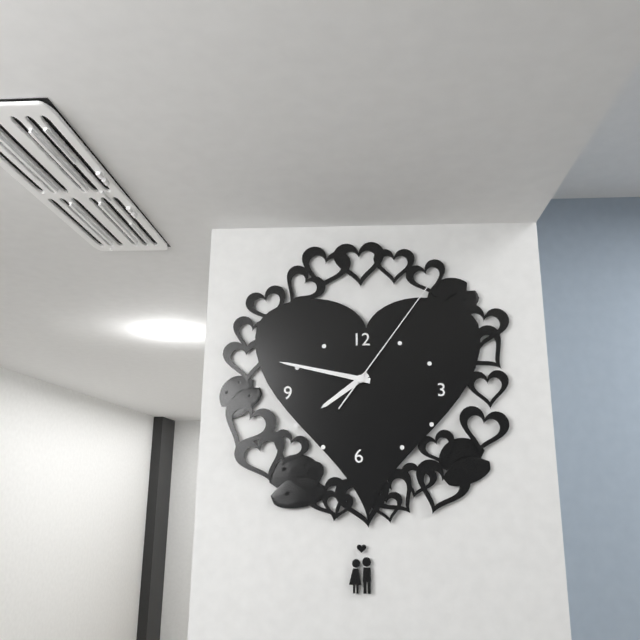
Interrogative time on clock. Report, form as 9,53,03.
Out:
7,47,06
